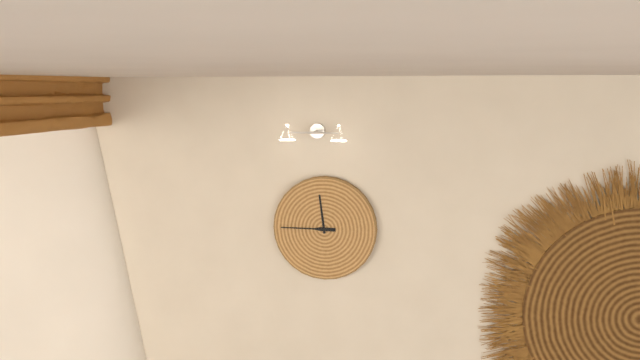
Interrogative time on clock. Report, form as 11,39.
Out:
11,45
